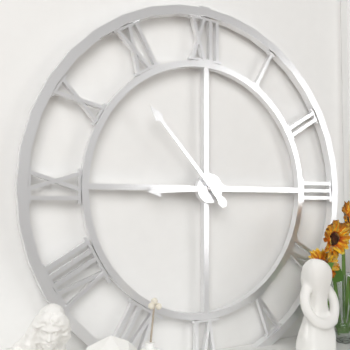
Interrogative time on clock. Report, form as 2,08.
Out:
8,53
